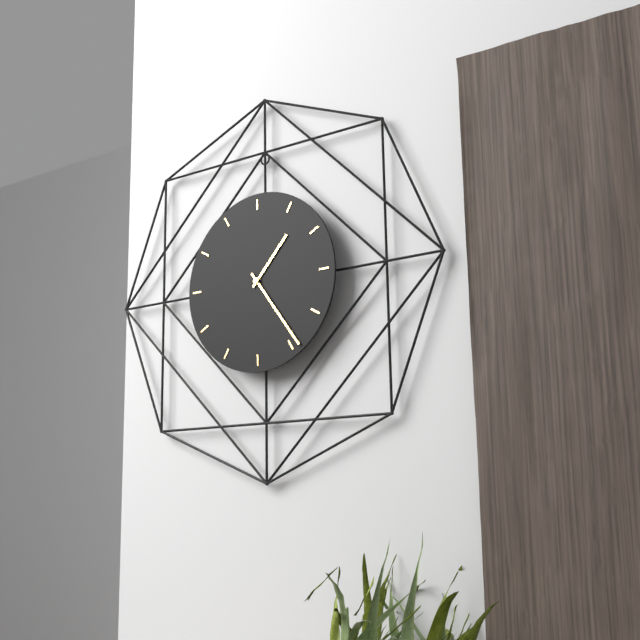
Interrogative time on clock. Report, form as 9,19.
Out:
1,24
